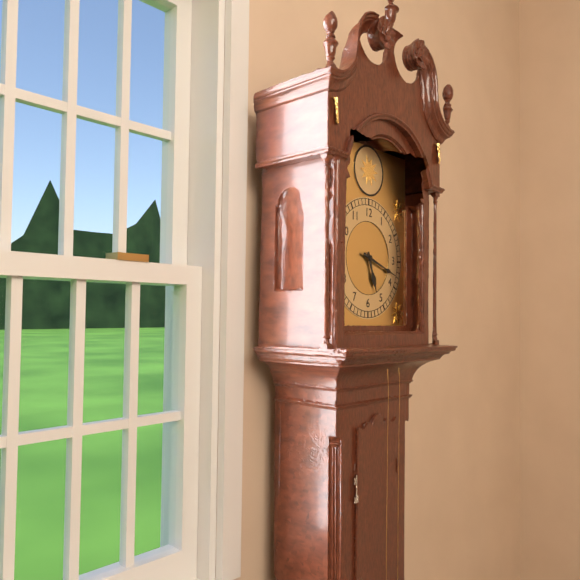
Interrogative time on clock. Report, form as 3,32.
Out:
5,18
